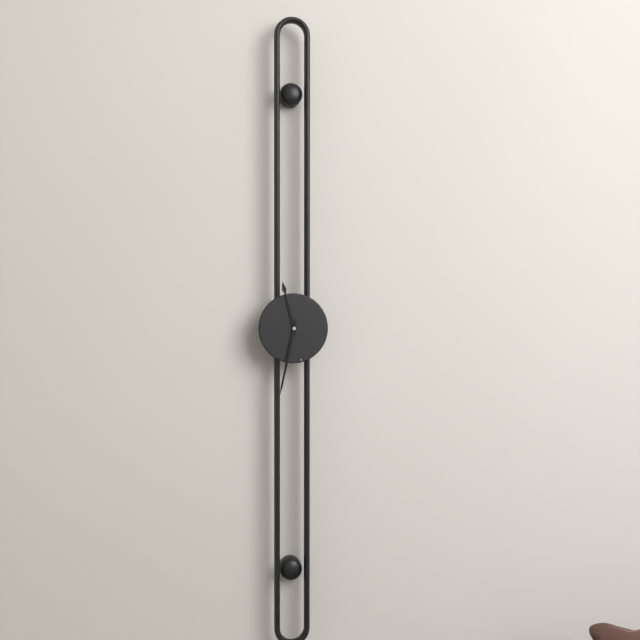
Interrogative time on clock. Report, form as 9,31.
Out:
11,32
